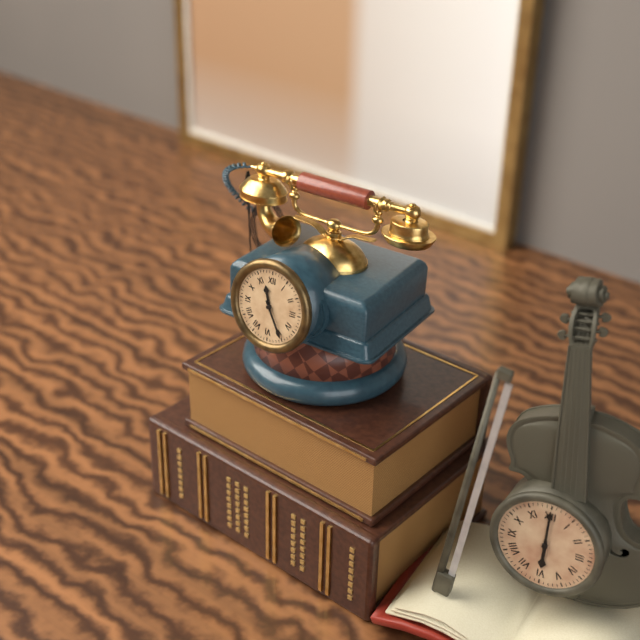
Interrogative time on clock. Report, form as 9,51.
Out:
11,25
